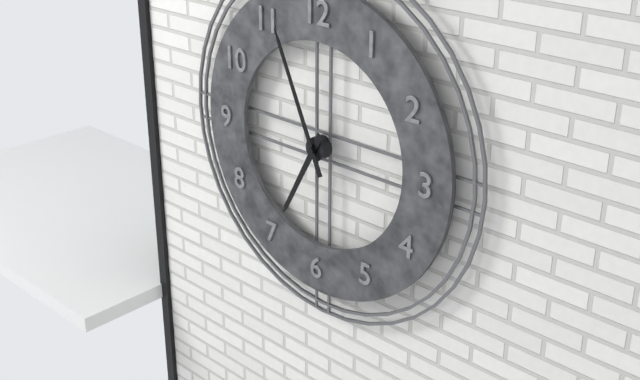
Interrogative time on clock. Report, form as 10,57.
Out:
6,56
